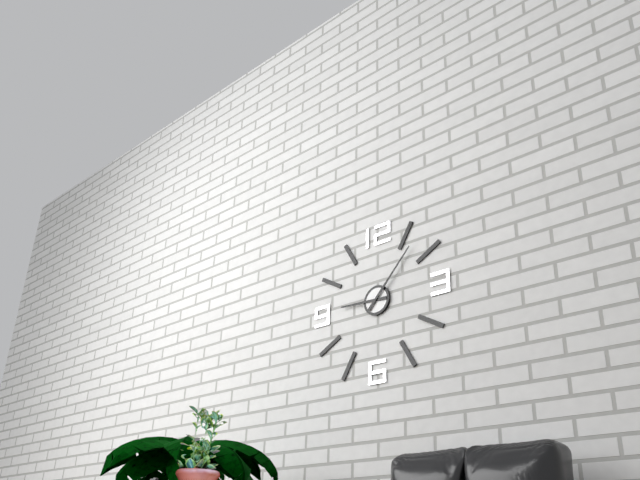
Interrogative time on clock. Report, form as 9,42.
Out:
9,07
